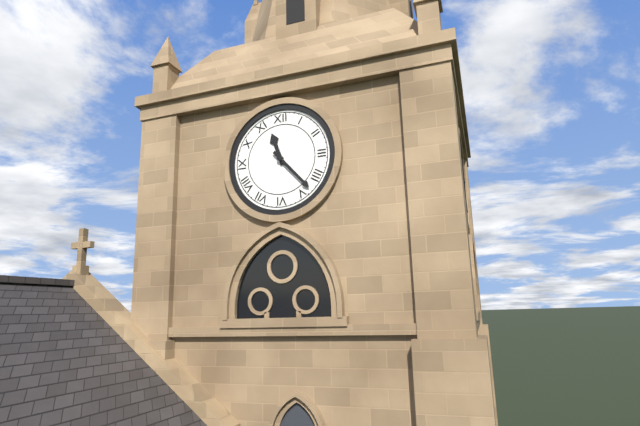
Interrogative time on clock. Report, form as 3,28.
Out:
11,23
